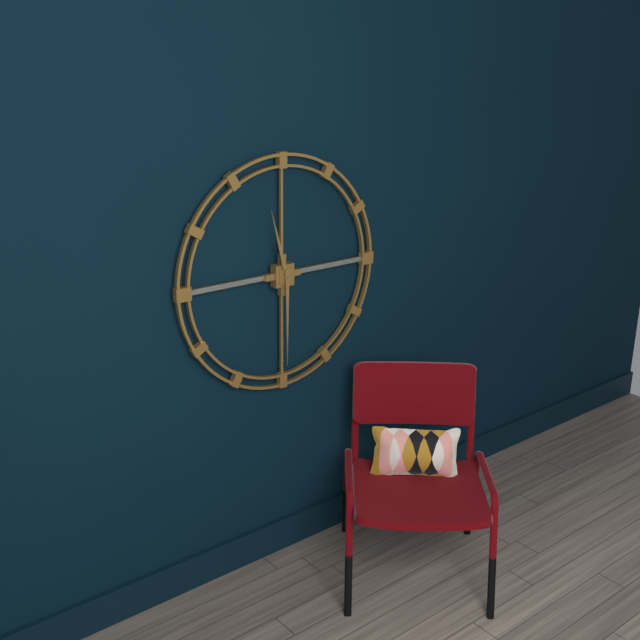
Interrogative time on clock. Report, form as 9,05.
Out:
11,30
